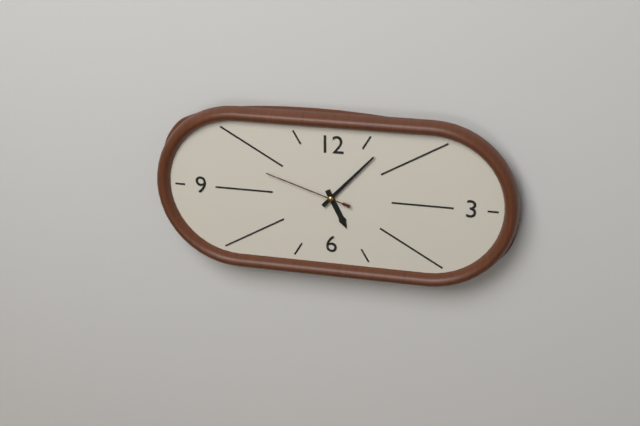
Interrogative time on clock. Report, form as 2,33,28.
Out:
5,07,48
